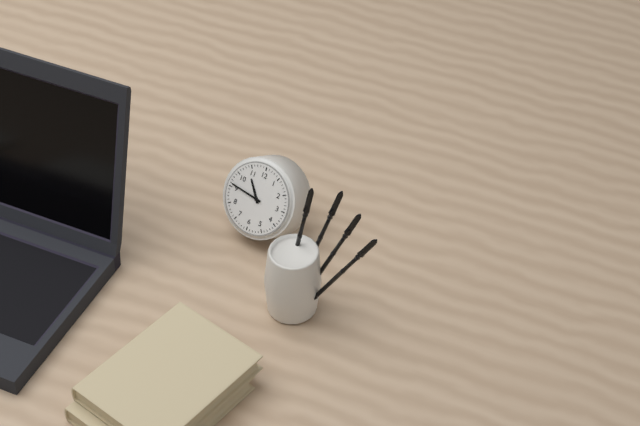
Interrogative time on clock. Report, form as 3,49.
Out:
10,46
